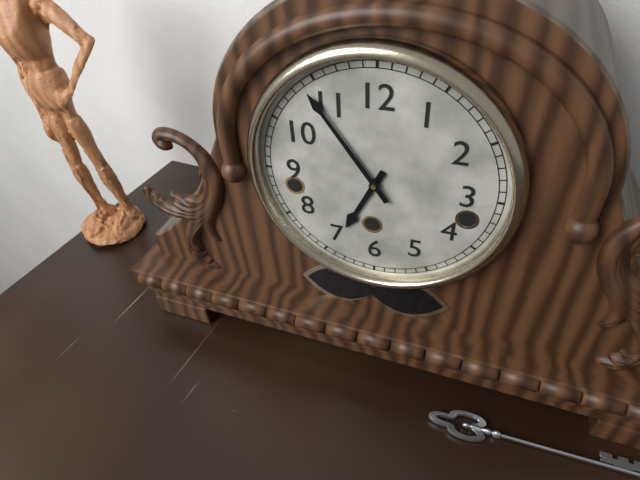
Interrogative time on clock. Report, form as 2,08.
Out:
6,54
